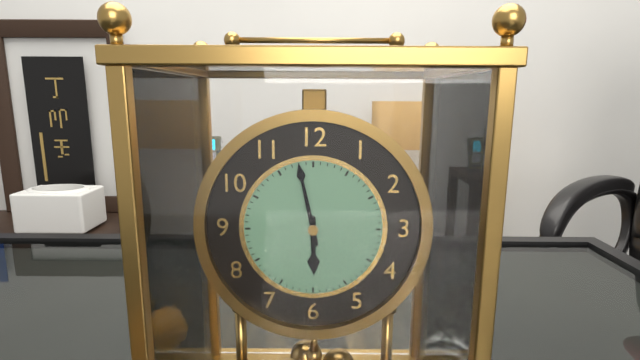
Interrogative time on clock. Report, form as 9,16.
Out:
5,58
